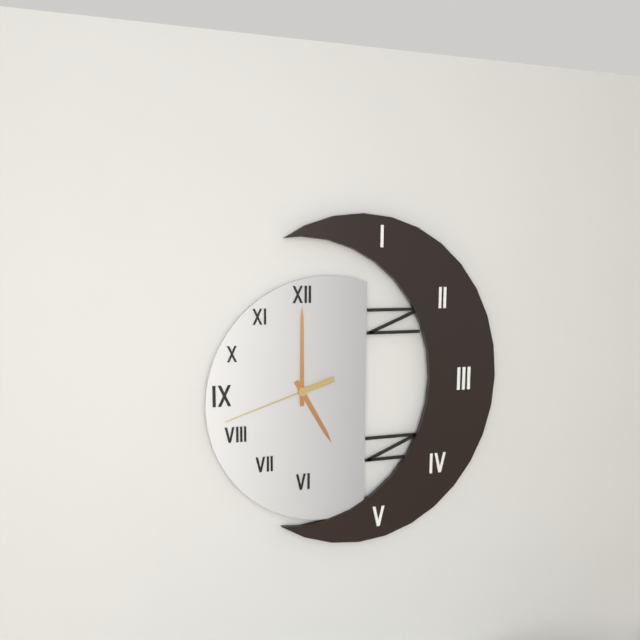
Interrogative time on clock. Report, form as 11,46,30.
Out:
5,00,42
